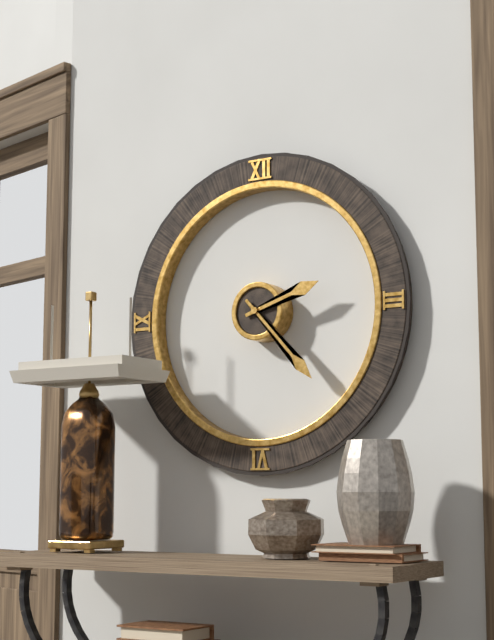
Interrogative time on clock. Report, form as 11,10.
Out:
2,23
